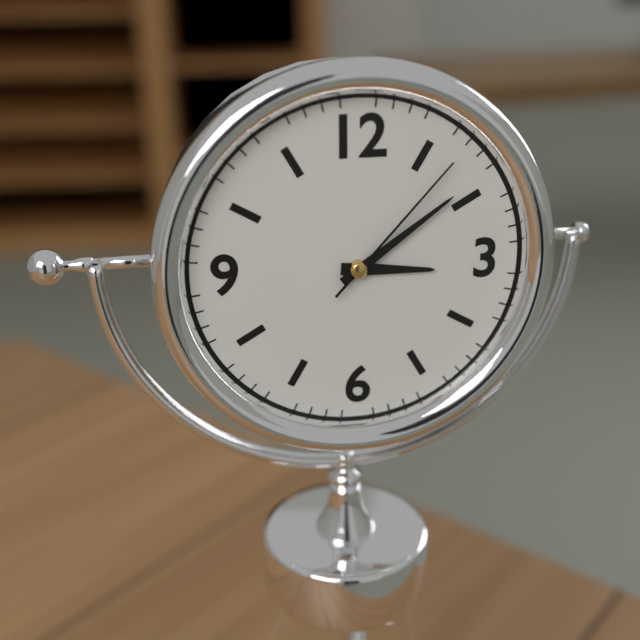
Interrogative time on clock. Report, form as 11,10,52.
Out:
3,09,07
